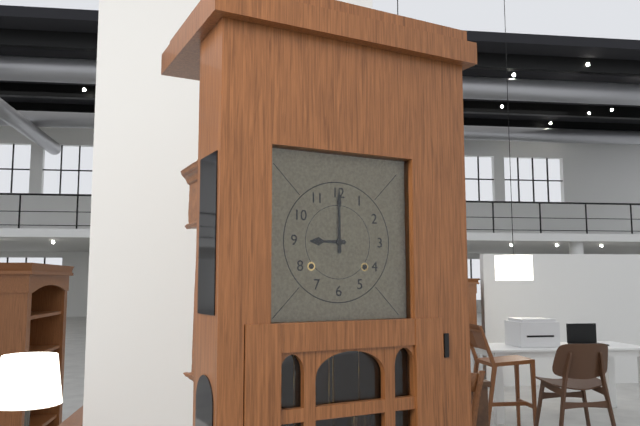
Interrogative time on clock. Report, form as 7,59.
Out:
9,00
